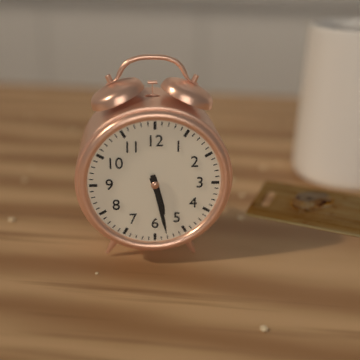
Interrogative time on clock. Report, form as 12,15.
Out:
5,28
